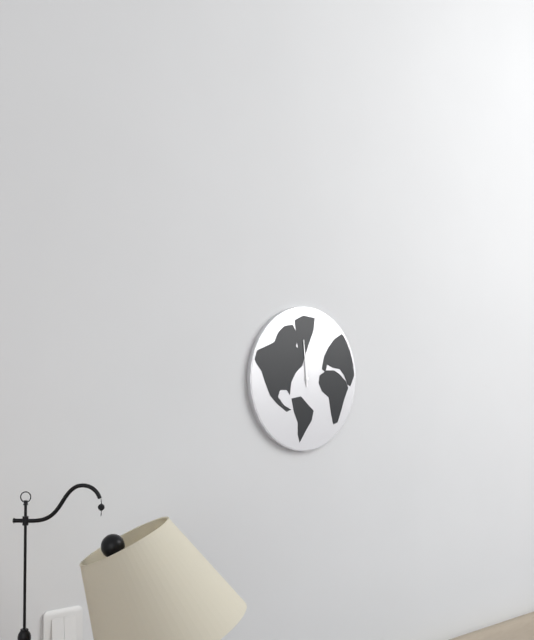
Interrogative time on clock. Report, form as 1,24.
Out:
11,59
